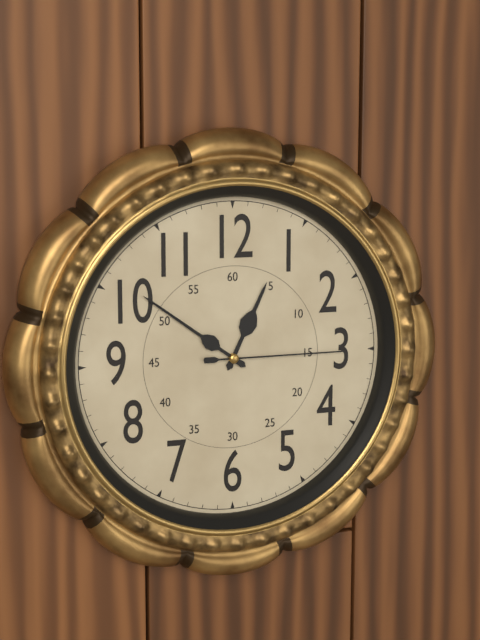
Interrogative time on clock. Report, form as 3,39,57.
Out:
12,51,15
